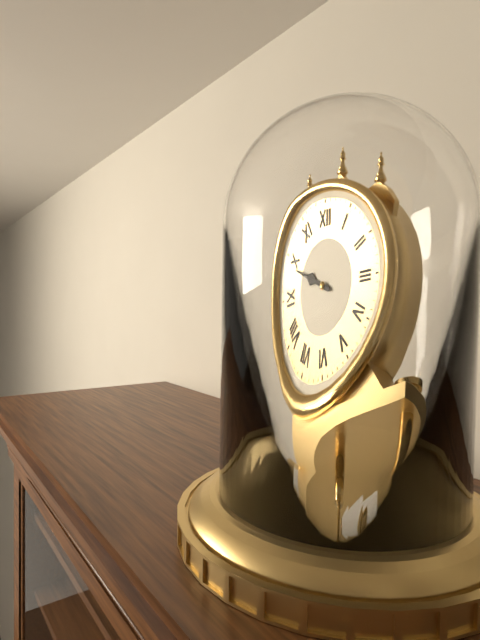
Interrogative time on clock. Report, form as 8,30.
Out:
9,49
